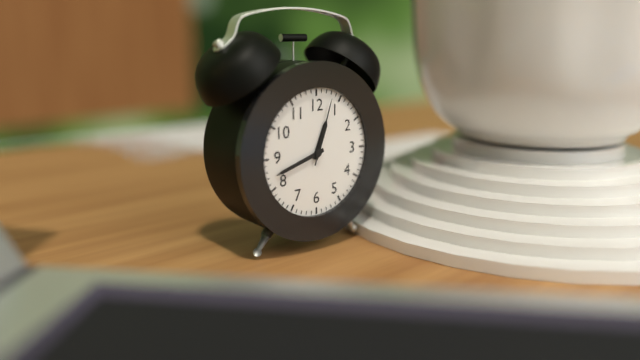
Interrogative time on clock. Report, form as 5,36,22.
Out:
12,42,03
